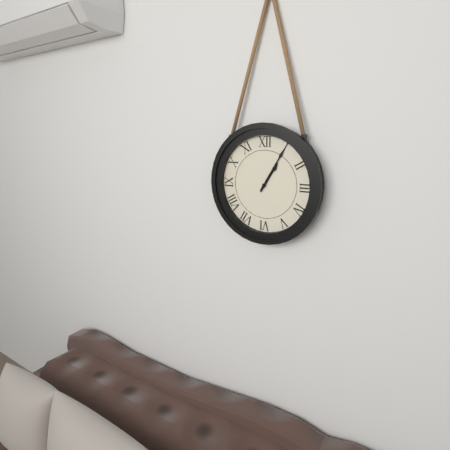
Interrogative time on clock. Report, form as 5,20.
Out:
1,05
